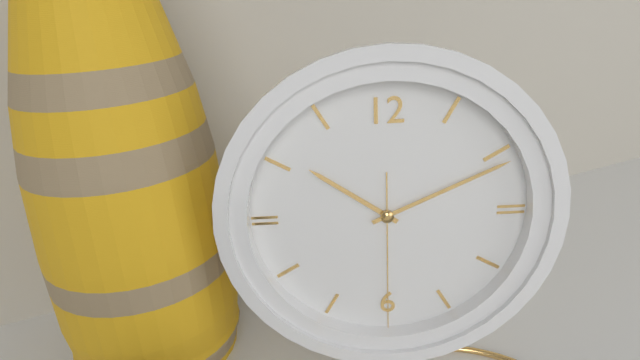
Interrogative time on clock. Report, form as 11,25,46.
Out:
10,11,30
